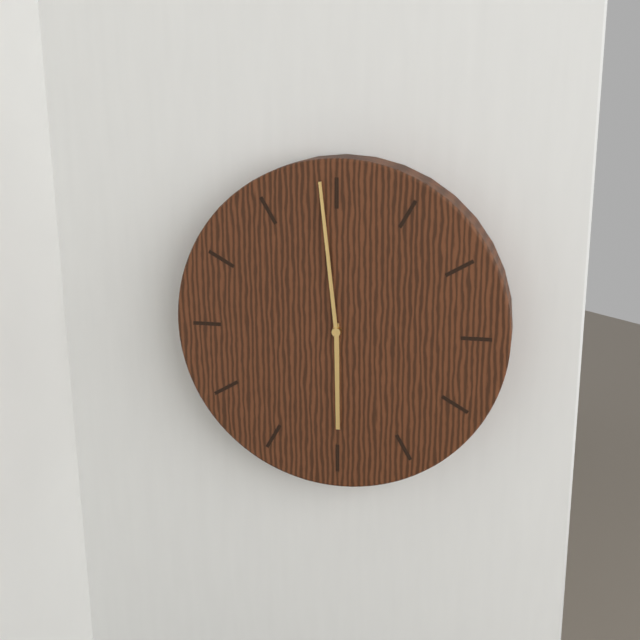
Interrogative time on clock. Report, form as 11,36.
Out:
5,59
